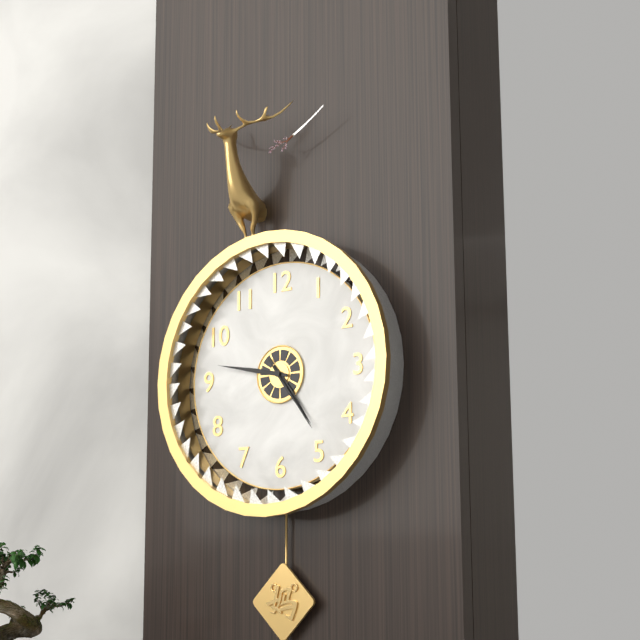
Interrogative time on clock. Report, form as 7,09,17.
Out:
4,47,24
